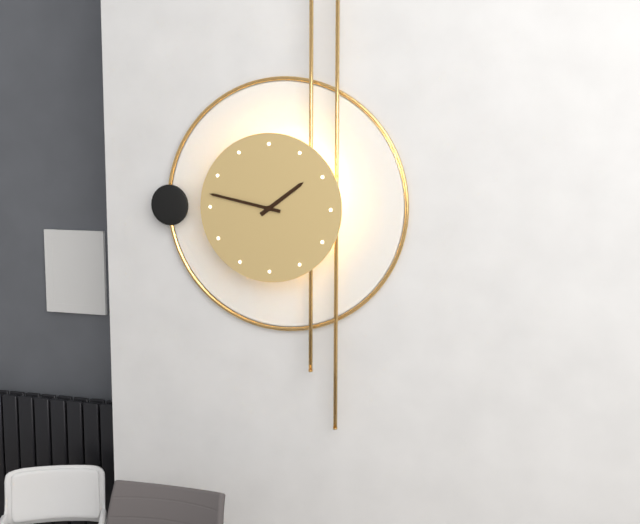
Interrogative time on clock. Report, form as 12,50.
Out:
1,47
